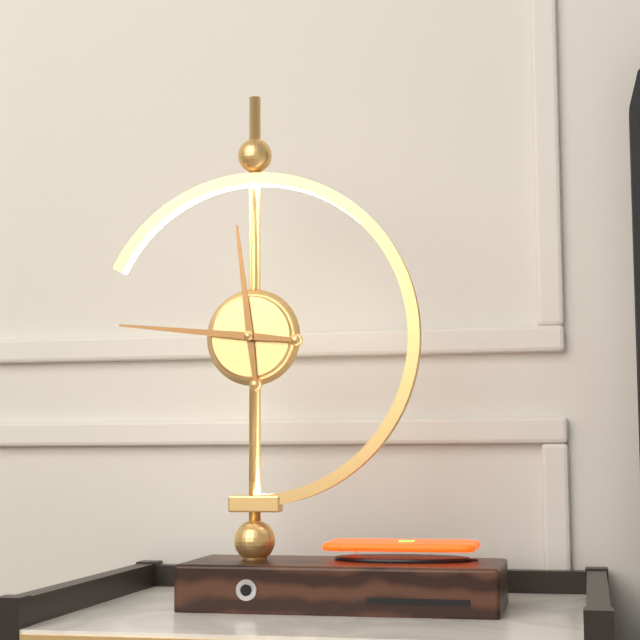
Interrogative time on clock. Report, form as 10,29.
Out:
11,46
